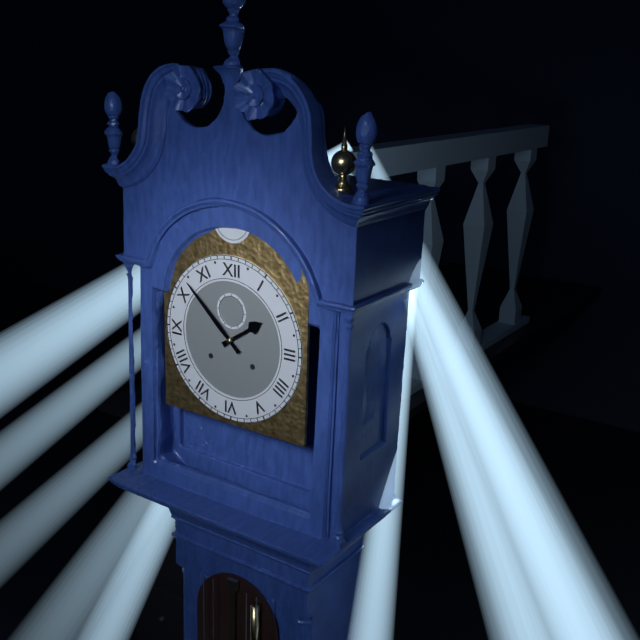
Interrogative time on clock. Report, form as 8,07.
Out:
1,52
